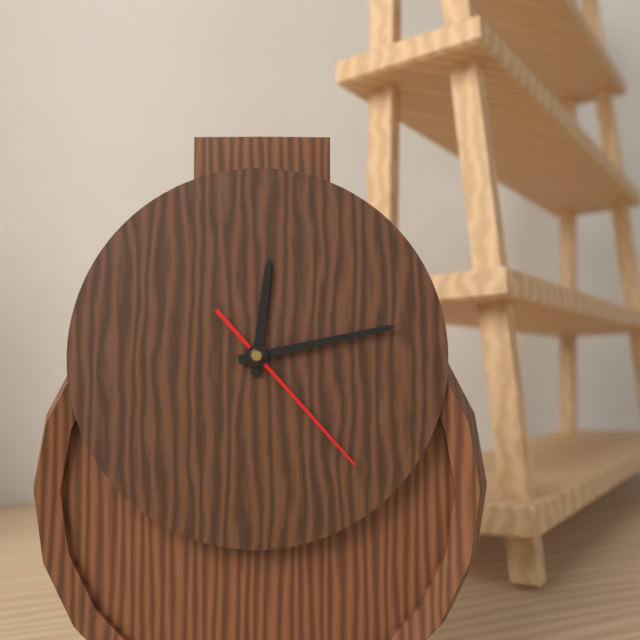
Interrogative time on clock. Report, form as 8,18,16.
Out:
12,13,23
